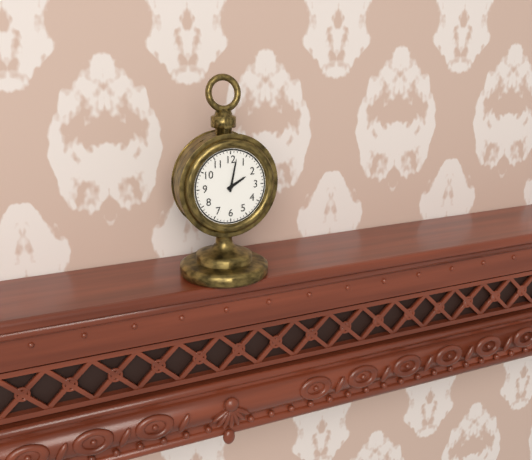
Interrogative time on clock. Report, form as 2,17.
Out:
2,02
